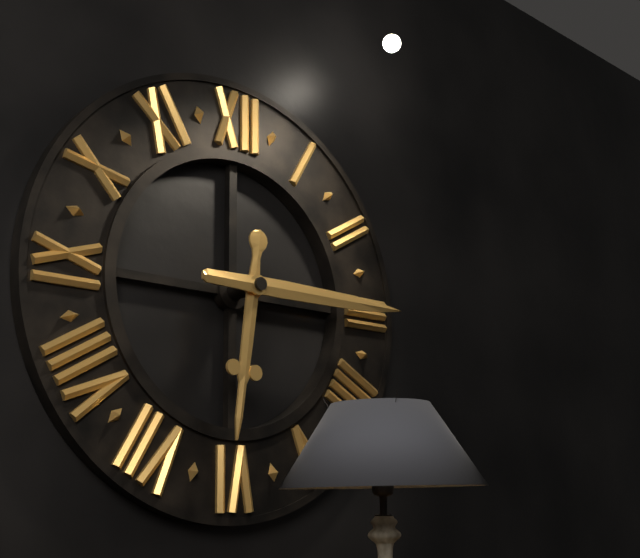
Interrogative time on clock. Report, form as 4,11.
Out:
6,15
